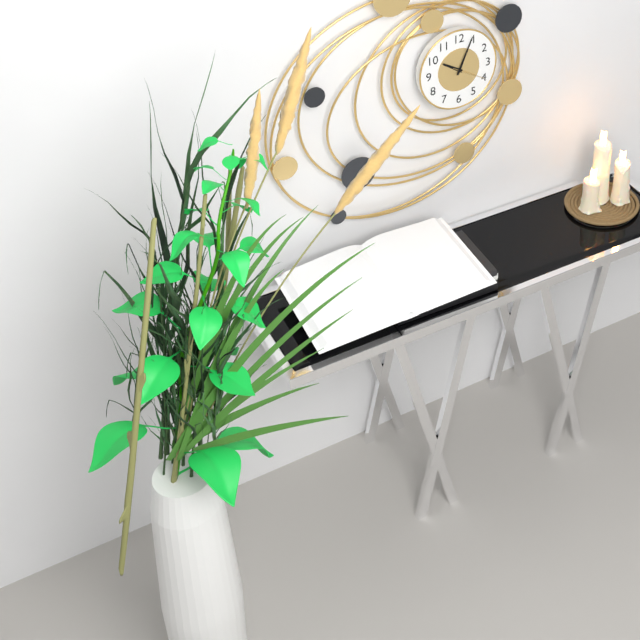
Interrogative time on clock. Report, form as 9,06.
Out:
10,04
